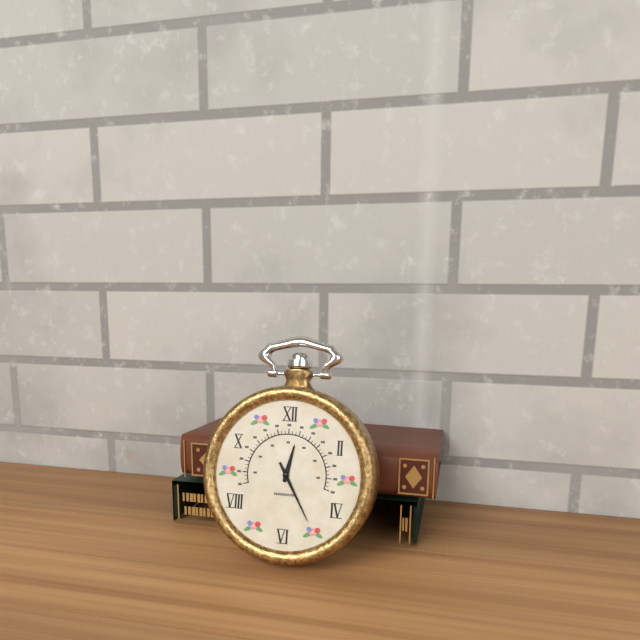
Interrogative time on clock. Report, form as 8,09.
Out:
12,25
